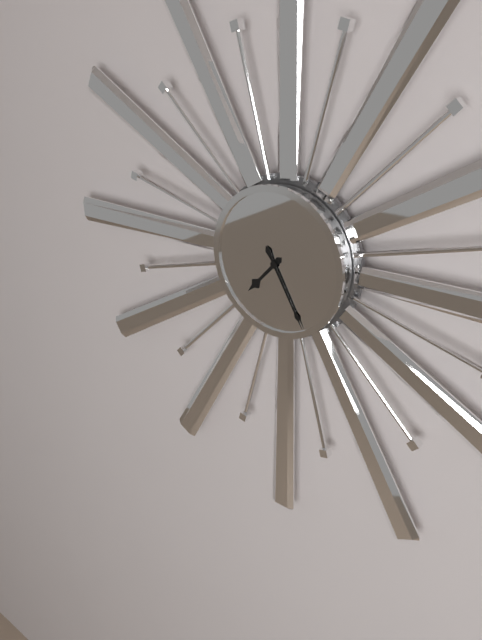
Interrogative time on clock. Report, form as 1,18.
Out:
7,25
